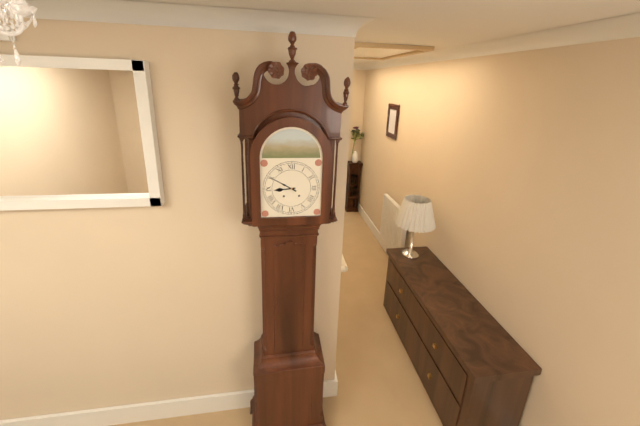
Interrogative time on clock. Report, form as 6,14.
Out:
8,50
